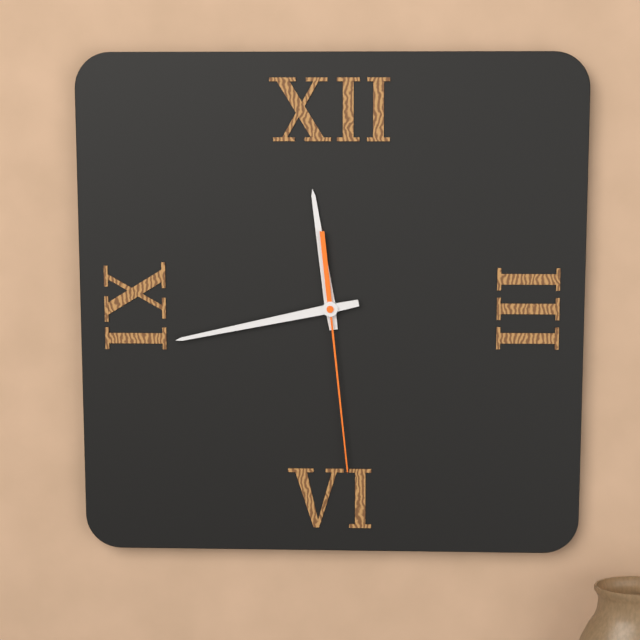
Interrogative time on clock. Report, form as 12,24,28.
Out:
11,43,29
